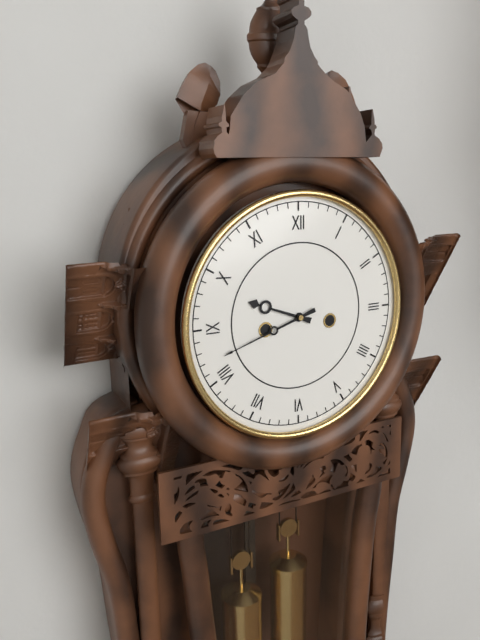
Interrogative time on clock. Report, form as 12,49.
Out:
9,42
